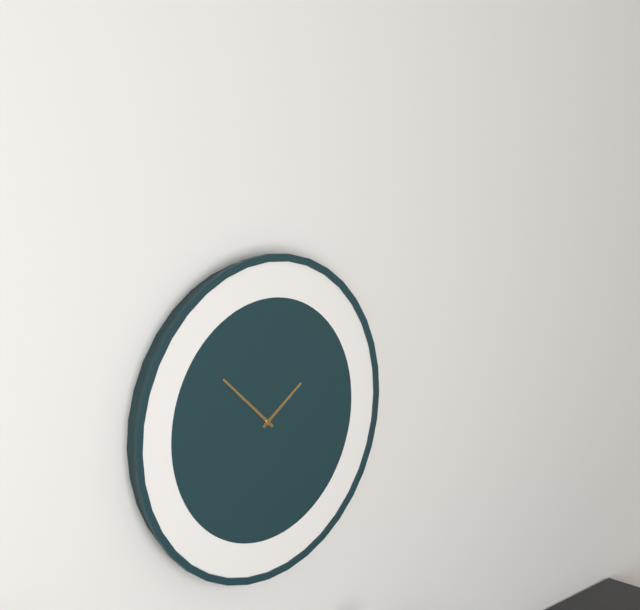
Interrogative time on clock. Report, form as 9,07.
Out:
1,52
